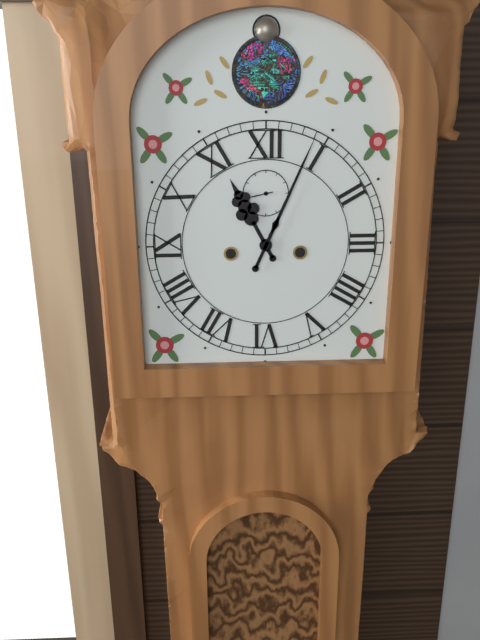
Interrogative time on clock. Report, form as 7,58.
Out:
11,04
